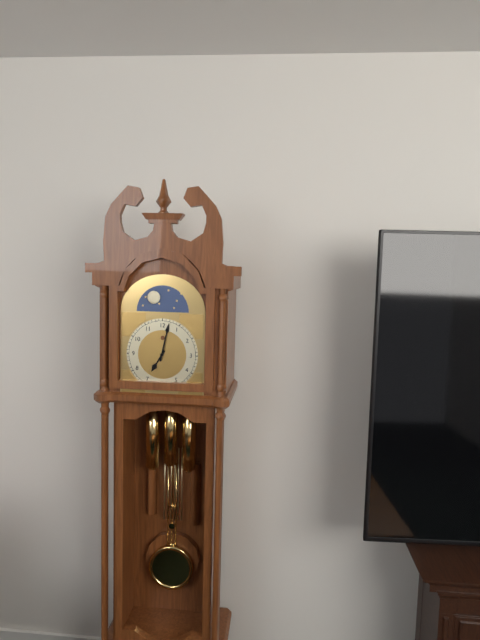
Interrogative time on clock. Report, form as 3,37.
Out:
7,02
